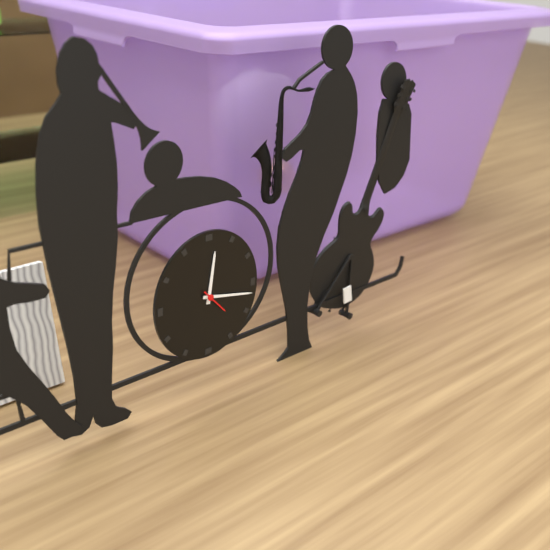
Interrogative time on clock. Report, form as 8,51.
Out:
12,17
